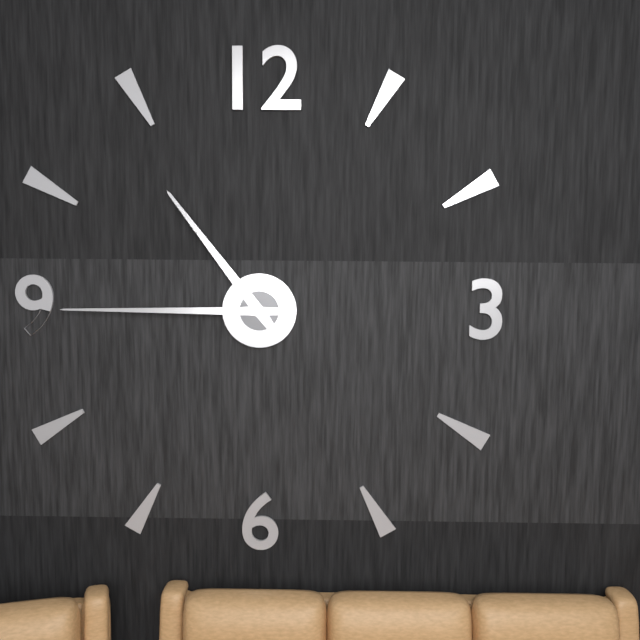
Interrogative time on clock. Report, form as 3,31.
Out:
10,45
